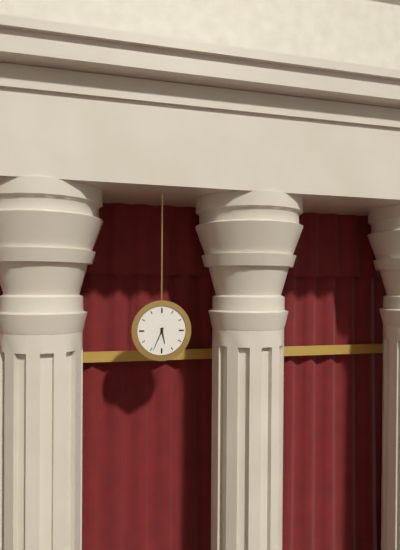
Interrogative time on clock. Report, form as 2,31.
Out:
5,34
